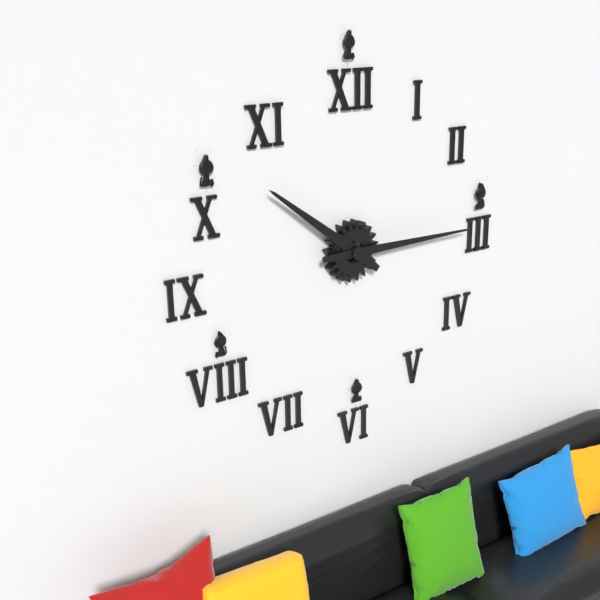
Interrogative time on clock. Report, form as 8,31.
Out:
10,15
